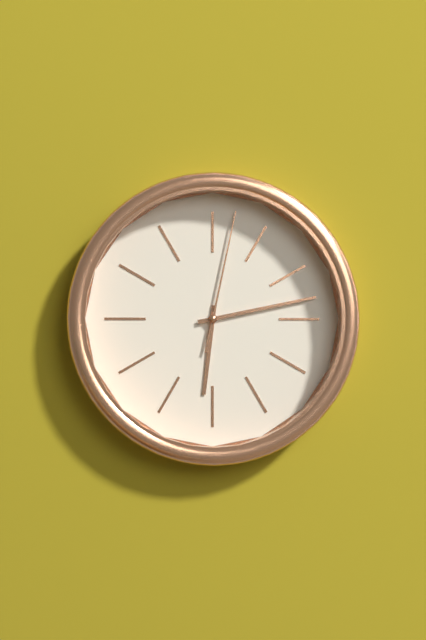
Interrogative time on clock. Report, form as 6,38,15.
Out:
6,13,02
